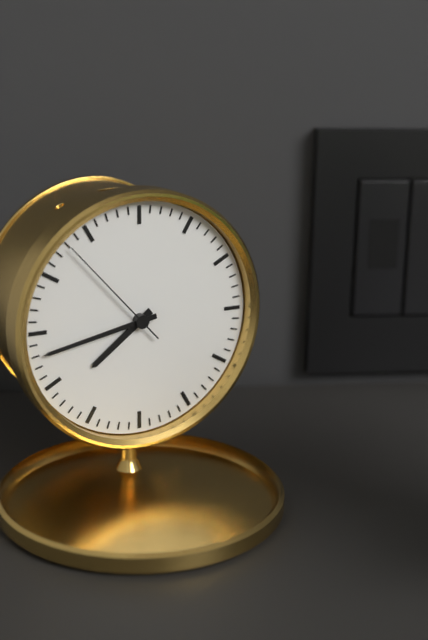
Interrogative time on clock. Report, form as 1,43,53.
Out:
7,43,53
